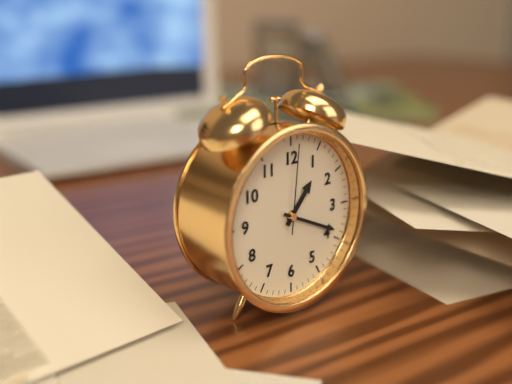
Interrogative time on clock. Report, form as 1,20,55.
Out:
1,19,01
